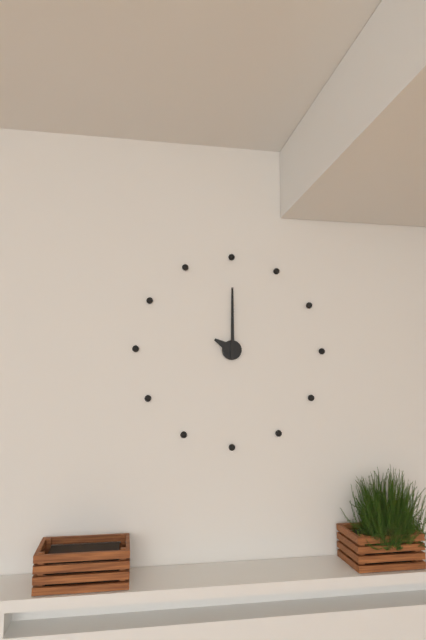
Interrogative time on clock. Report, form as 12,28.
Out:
10,00
